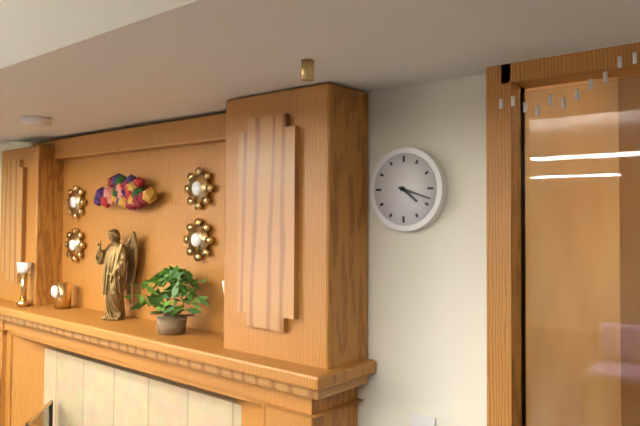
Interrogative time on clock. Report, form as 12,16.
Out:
4,18
